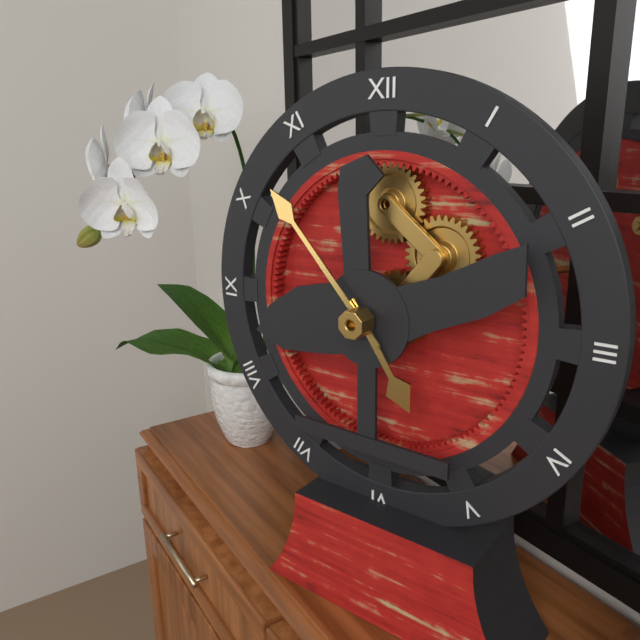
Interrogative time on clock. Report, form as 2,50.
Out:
4,53
